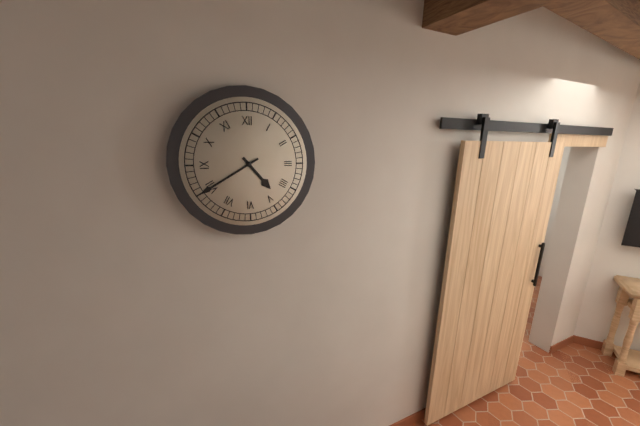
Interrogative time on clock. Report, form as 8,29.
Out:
4,40
